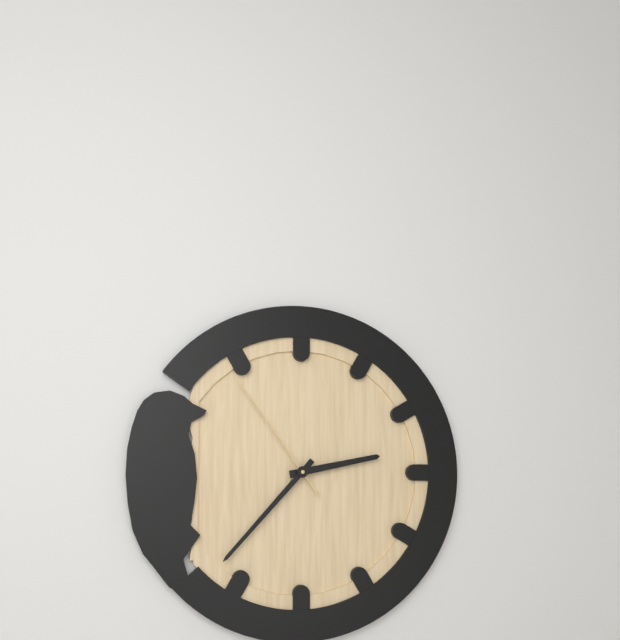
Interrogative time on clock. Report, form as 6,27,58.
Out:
2,37,54
